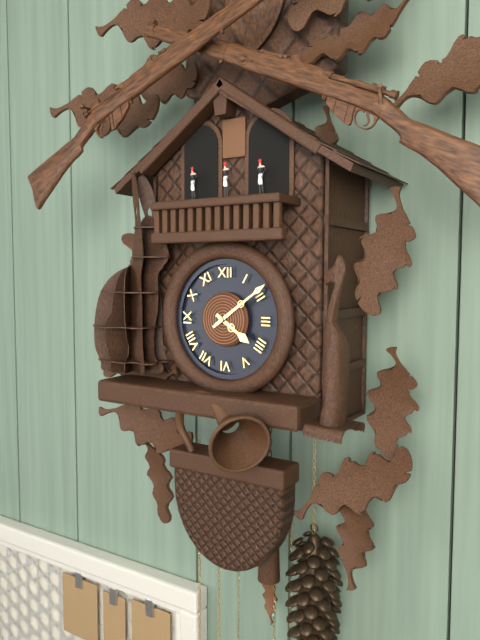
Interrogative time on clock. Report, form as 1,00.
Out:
4,09
